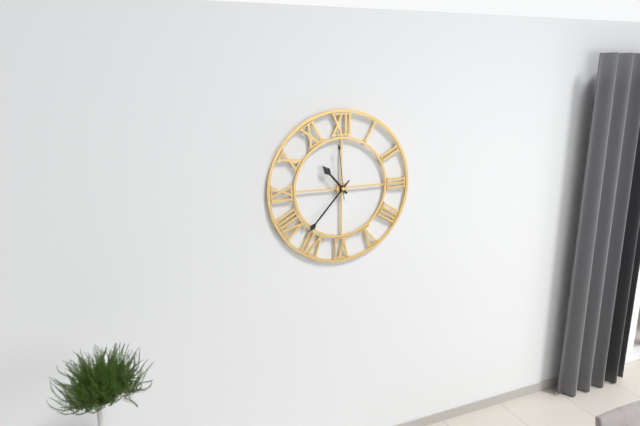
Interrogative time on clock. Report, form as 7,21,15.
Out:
10,37,59
